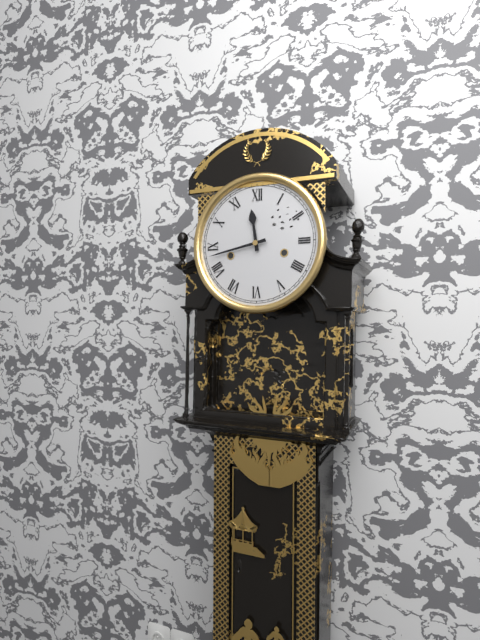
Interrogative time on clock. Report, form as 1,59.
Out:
11,43
